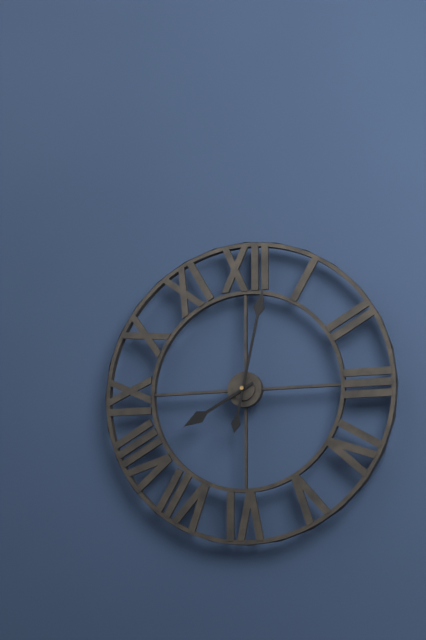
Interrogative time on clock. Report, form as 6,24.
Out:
8,02
